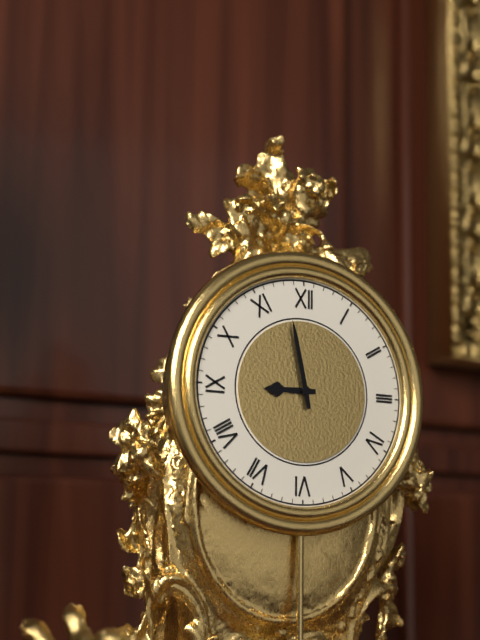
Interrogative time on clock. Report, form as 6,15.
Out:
8,58
